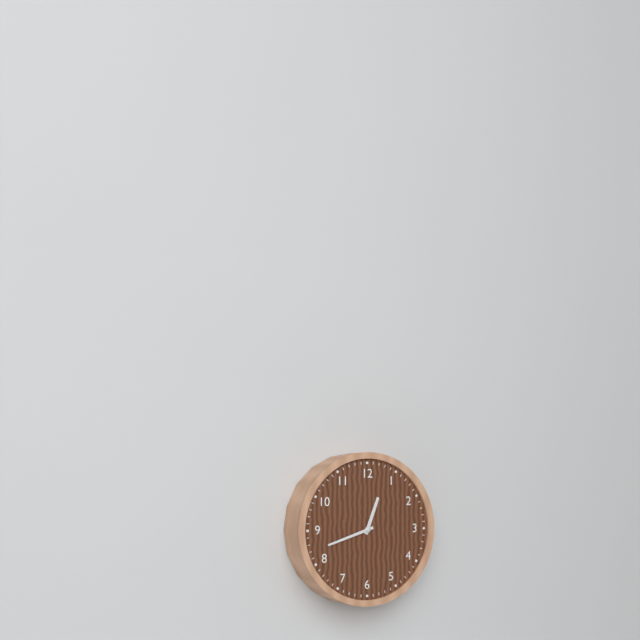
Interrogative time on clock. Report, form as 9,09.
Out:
12,42
